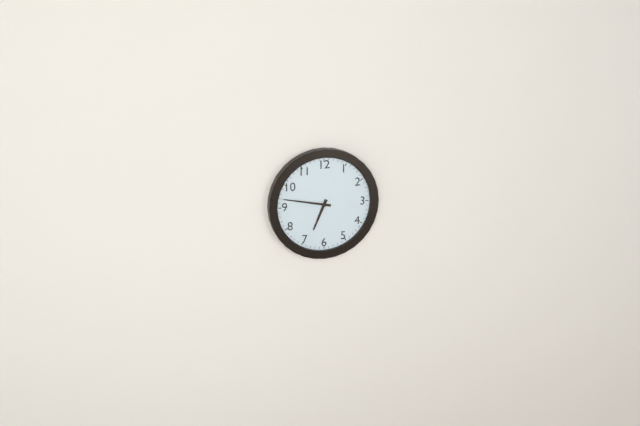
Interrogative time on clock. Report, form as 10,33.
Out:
6,47
